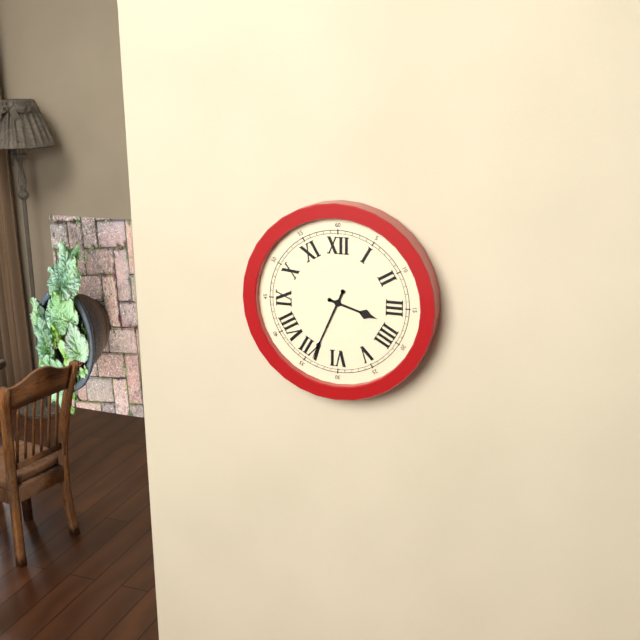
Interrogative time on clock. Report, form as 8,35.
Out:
3,34
